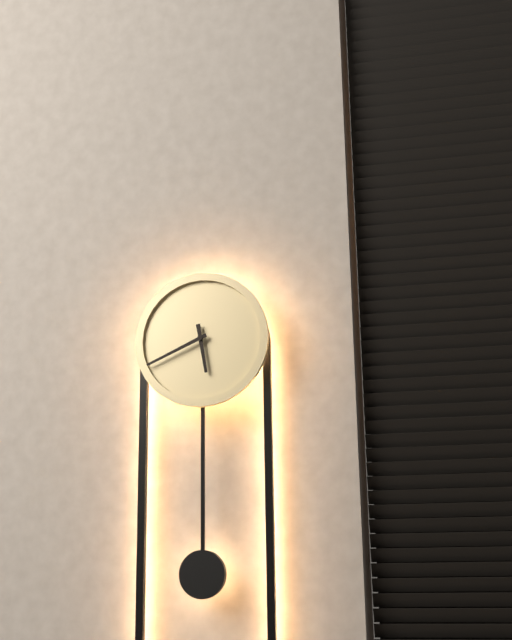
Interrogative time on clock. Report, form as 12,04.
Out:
5,41
